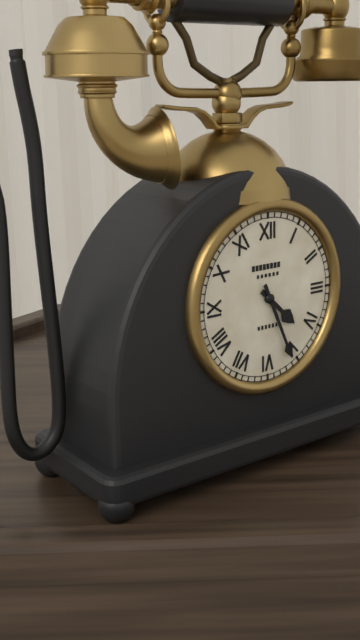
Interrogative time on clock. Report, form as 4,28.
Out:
4,26
